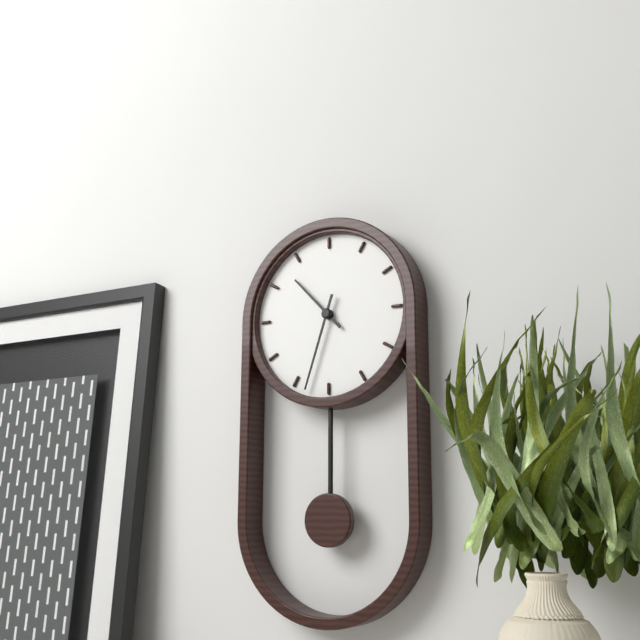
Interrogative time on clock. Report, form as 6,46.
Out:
10,33
